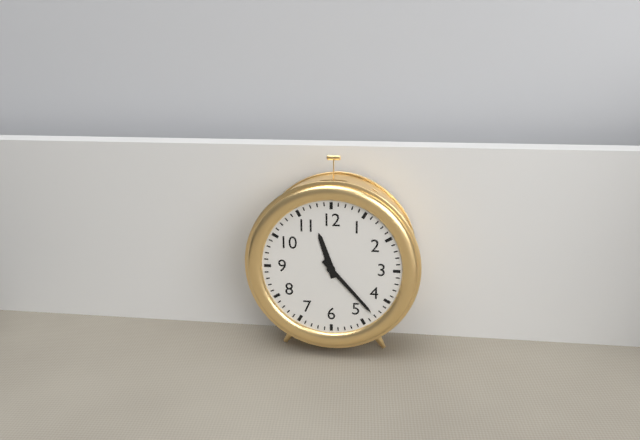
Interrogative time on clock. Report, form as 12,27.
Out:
11,23
